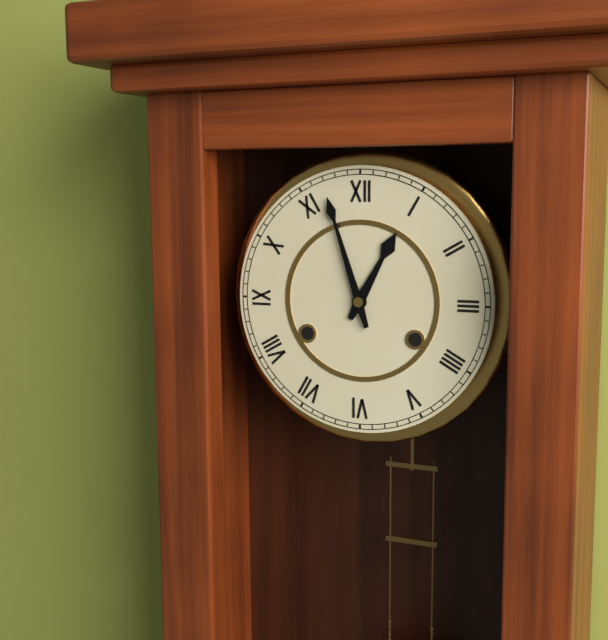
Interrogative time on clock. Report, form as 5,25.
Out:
12,57
